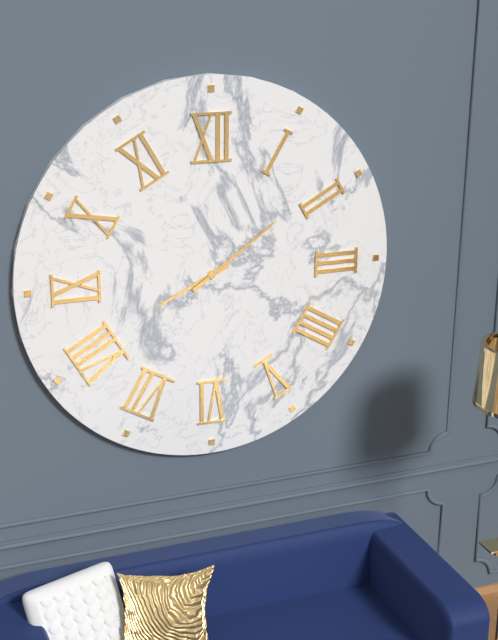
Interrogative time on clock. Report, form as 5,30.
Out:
8,09
